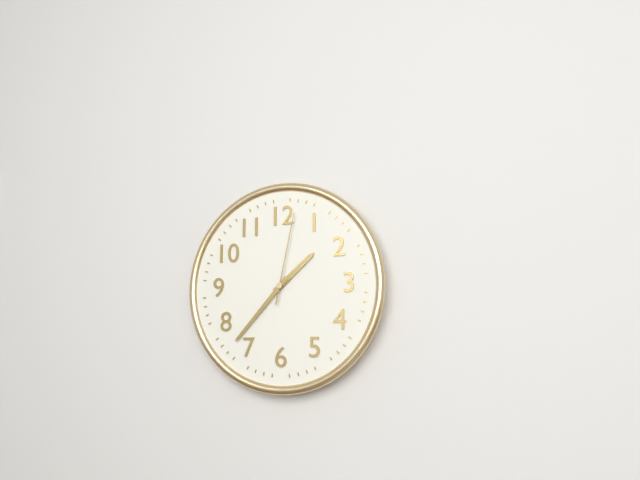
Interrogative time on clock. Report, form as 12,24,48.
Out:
1,37,02
